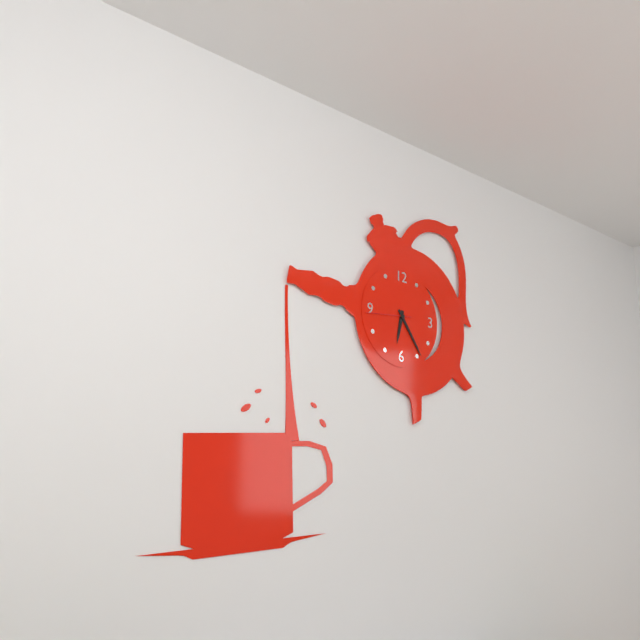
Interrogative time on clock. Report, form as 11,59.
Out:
6,24
